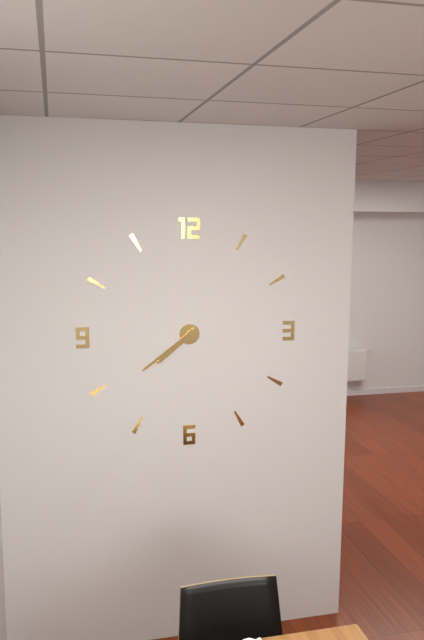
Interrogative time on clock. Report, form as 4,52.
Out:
7,39
